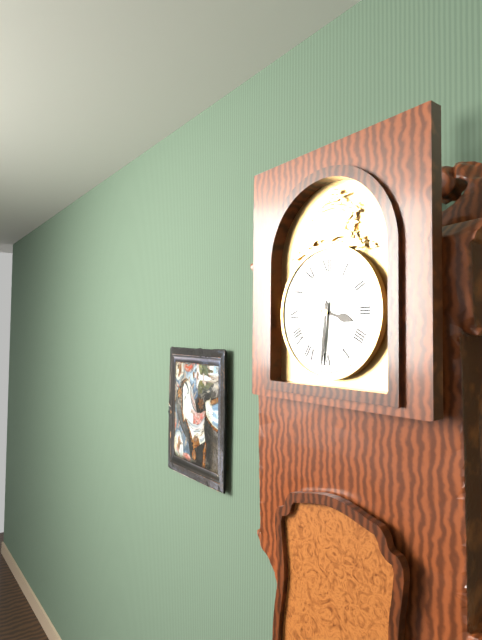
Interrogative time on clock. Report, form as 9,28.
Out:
3,31
